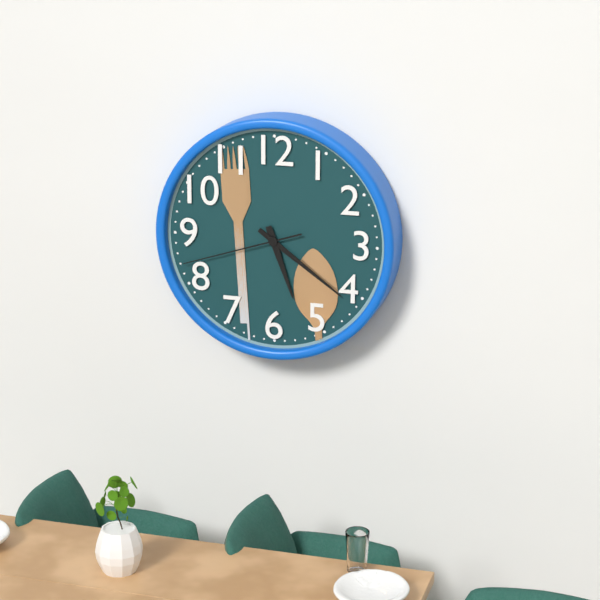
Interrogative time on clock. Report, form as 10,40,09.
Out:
5,21,42
